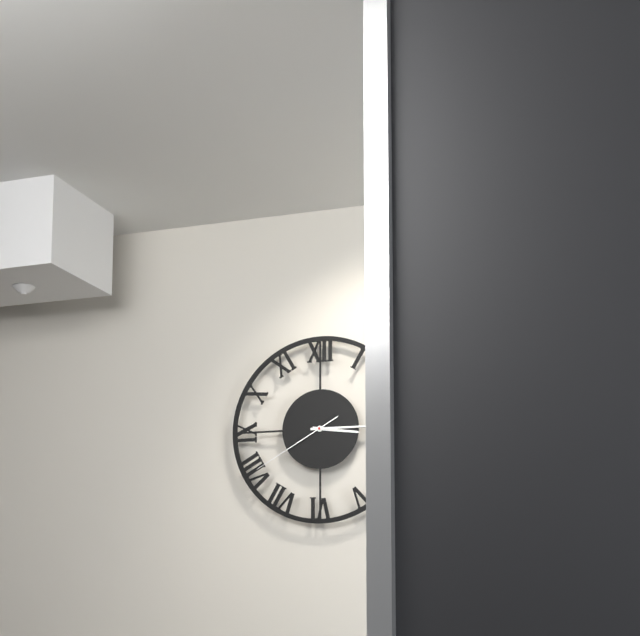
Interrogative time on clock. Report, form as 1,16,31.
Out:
3,15,40
